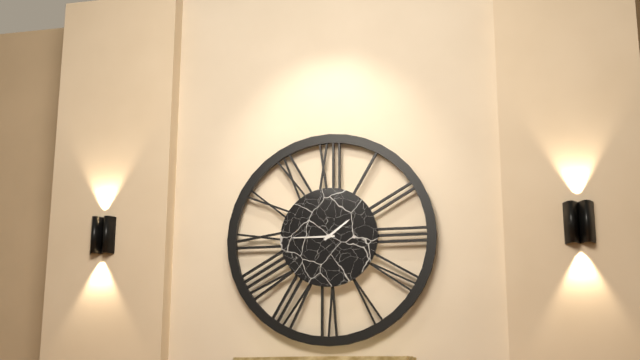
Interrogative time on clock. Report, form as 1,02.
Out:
1,45
